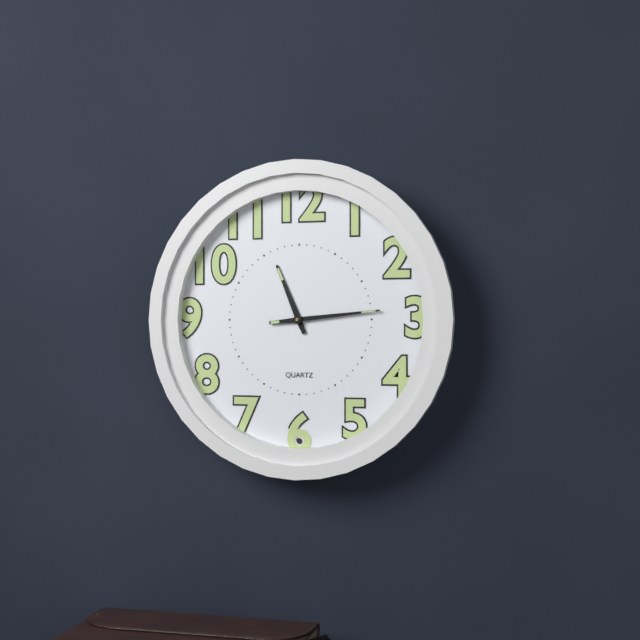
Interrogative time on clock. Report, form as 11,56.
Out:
11,14
